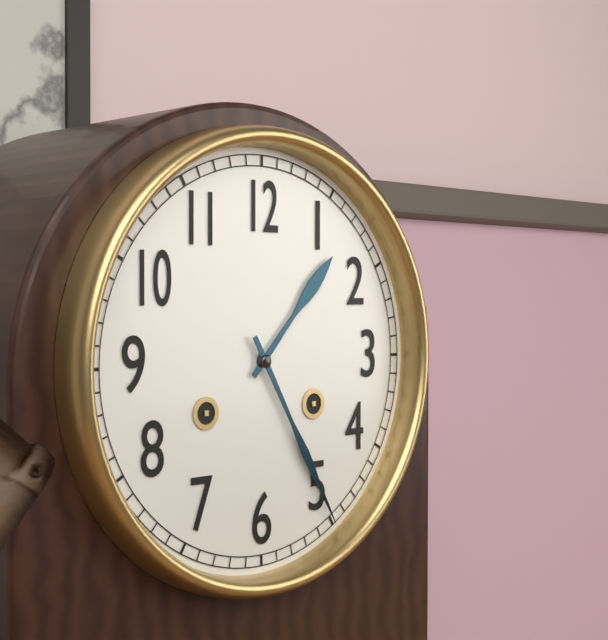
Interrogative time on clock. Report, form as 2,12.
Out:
1,25
